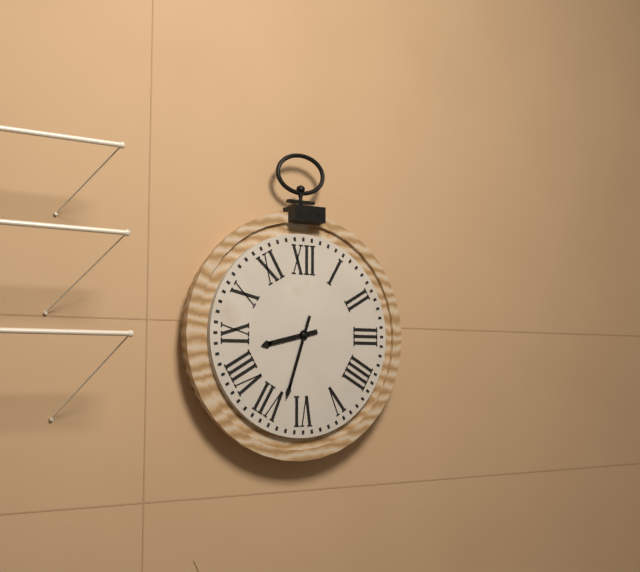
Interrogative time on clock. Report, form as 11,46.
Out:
8,33
